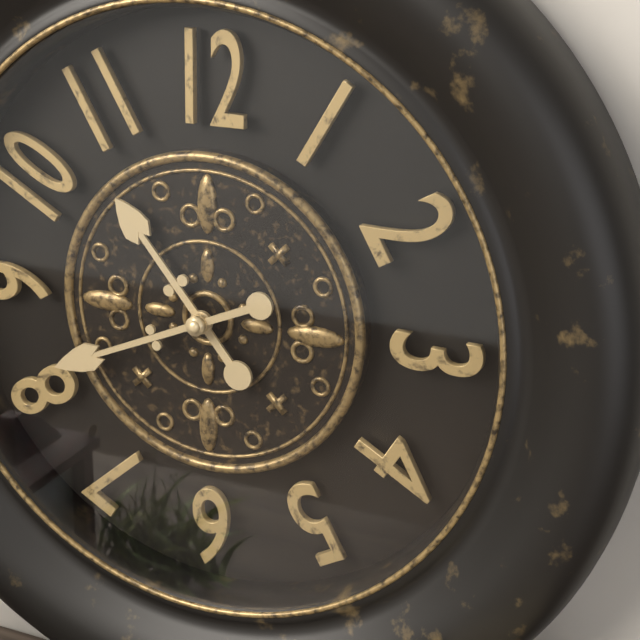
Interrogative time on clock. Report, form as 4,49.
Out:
10,41
